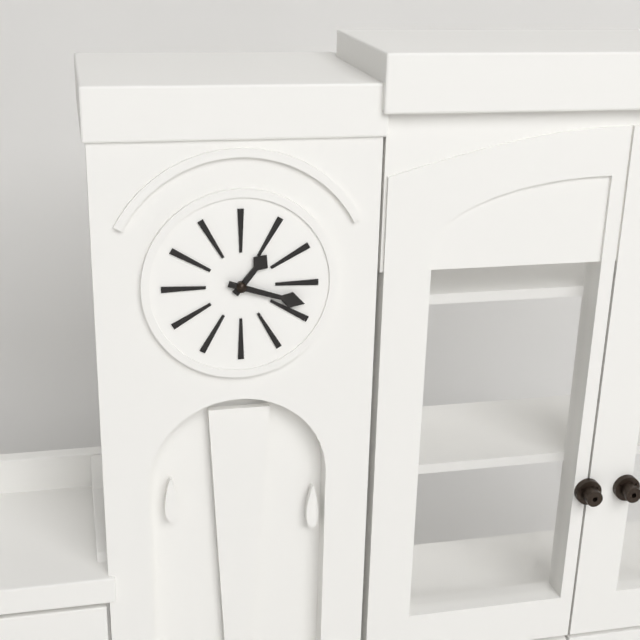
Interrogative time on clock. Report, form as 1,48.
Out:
1,18
